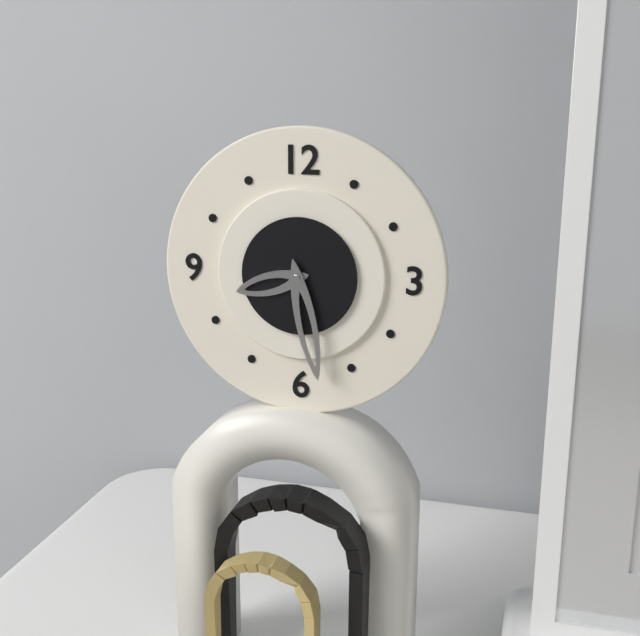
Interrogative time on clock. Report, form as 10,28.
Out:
8,28
